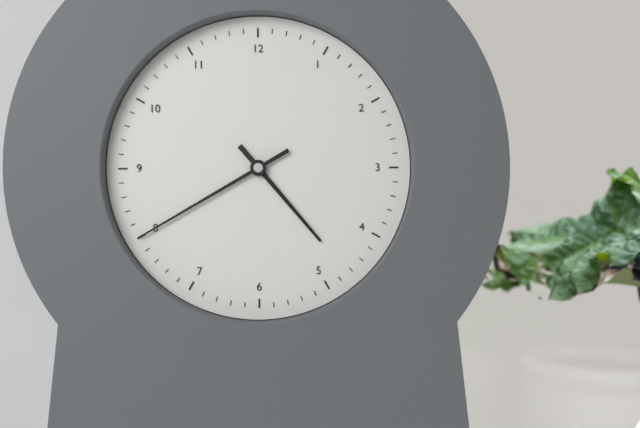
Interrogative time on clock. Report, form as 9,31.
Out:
4,40
